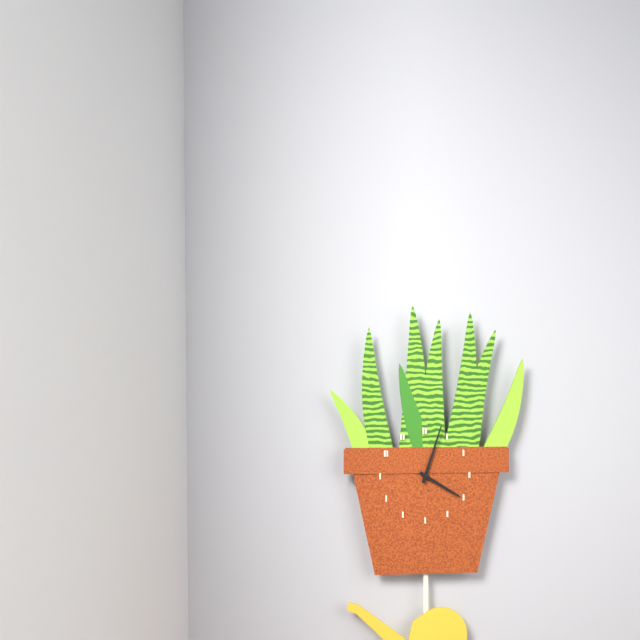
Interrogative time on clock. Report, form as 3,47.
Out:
4,03
